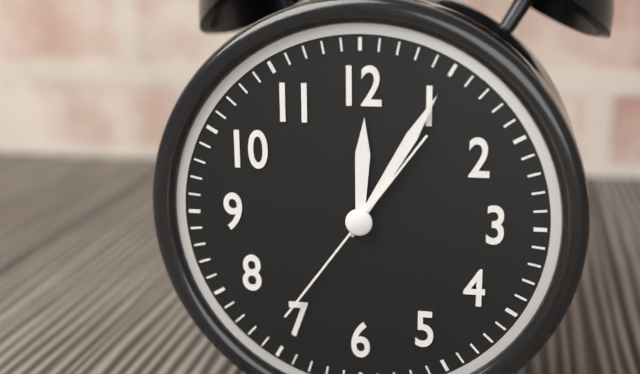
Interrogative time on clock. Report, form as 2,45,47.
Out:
12,05,36
